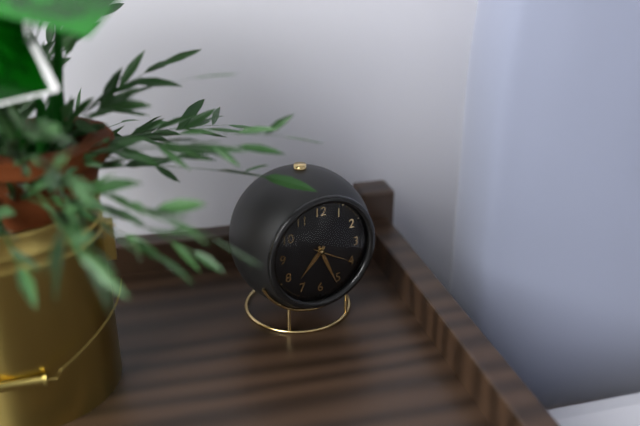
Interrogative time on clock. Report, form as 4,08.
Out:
7,26
